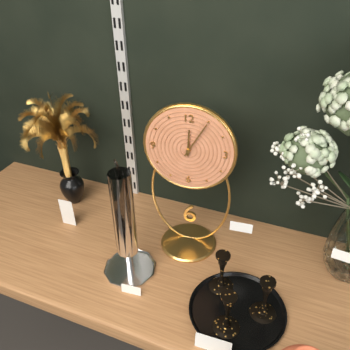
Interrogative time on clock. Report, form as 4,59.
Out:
12,05
